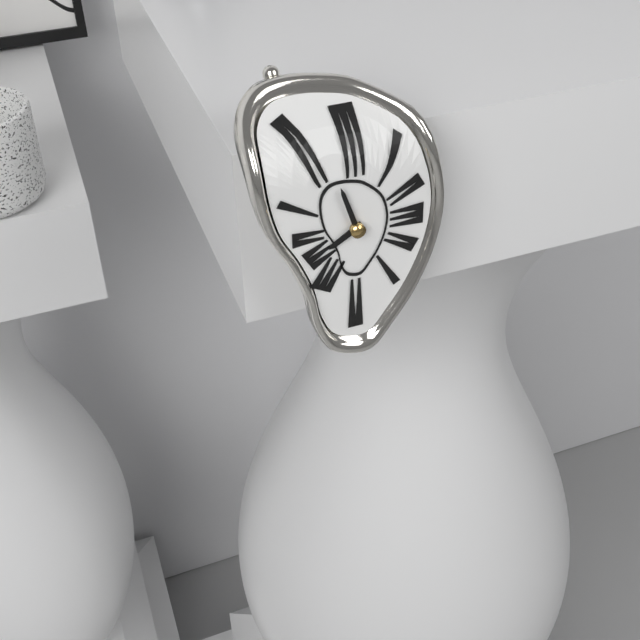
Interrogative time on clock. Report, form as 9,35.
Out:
7,57
